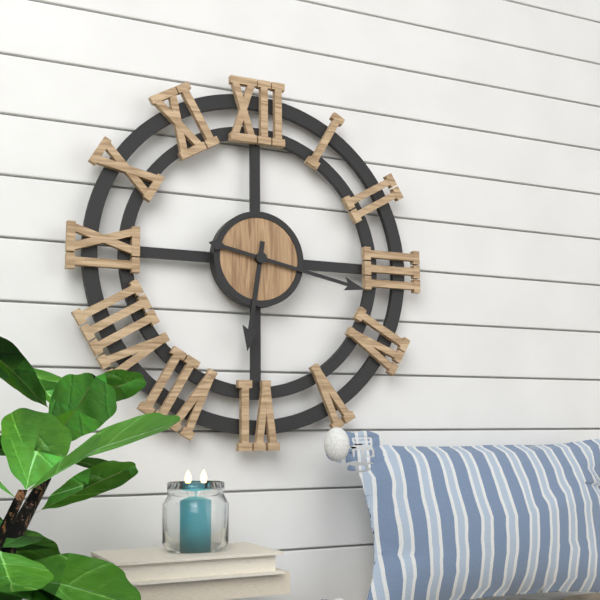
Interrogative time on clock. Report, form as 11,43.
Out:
6,17
